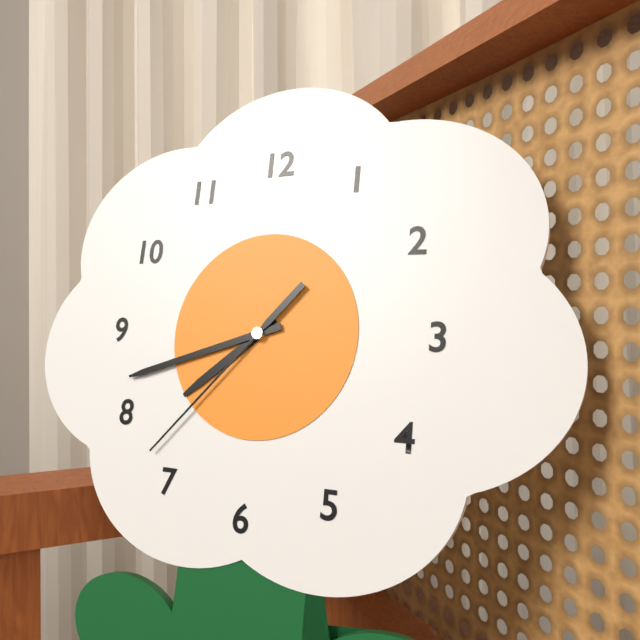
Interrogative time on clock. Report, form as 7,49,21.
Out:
7,42,37
